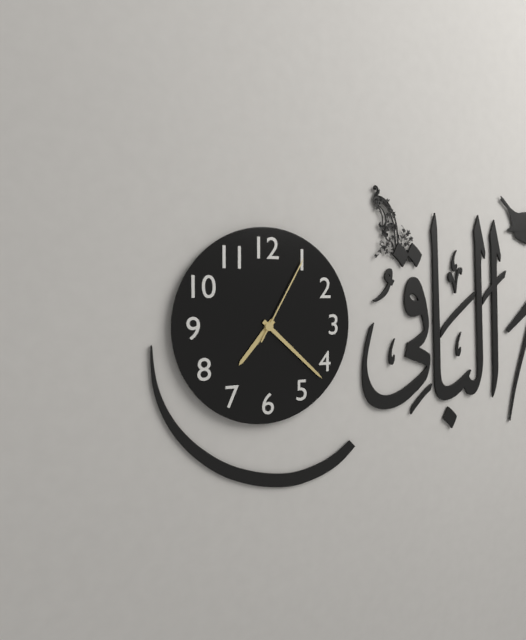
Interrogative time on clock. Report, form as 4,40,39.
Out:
7,22,05
